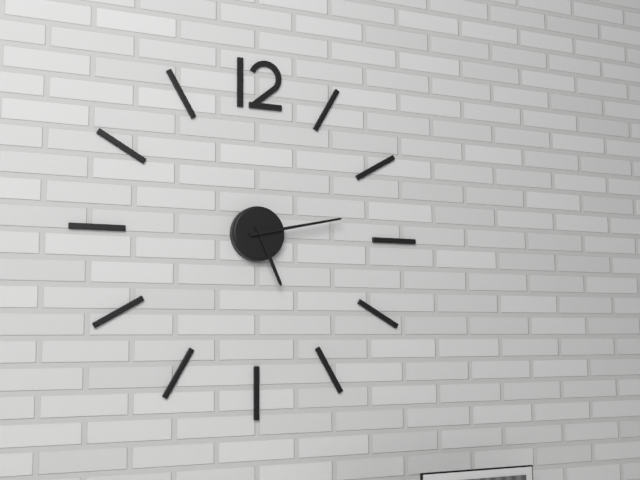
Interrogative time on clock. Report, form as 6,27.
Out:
5,13
